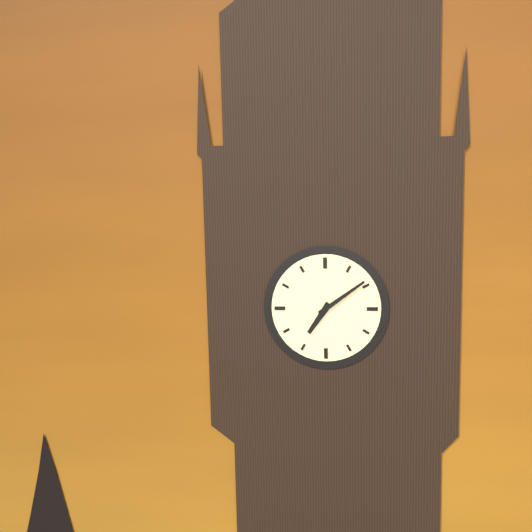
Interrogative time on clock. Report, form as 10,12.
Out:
7,09
